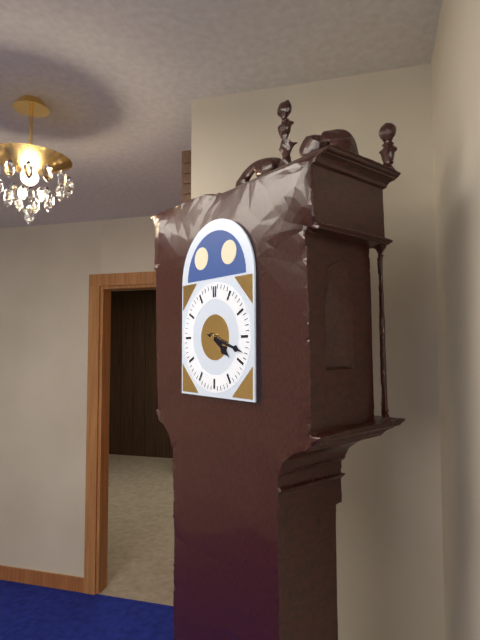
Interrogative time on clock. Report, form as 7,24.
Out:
4,18
